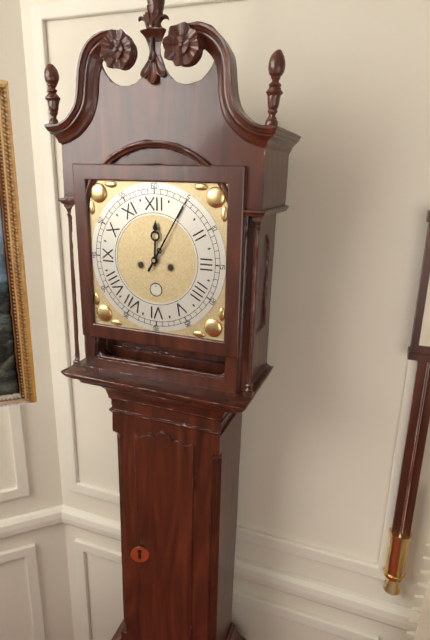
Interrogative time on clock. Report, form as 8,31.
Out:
12,05
